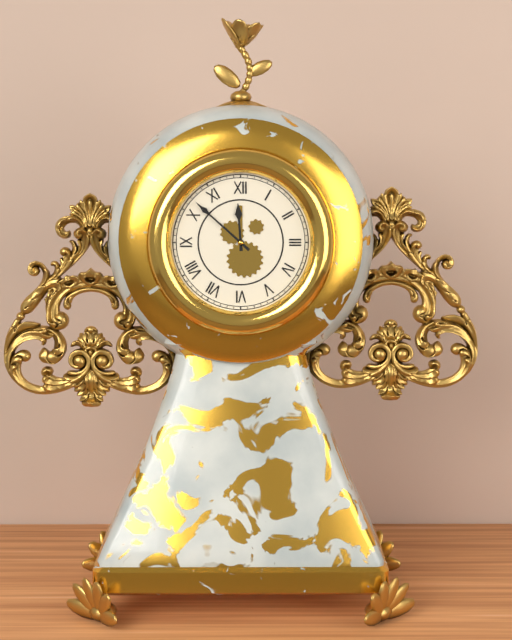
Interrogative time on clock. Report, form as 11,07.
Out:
11,52
